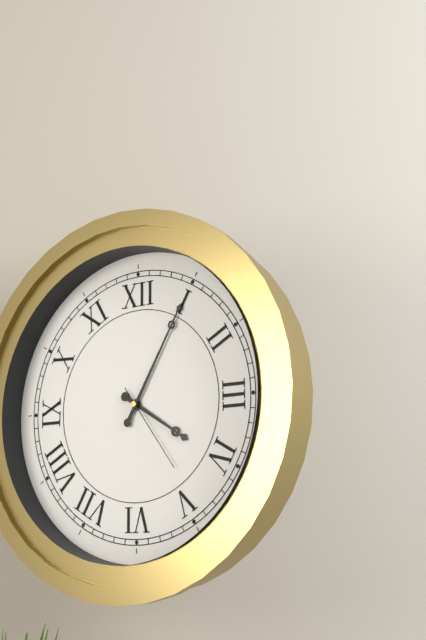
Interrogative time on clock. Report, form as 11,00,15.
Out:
4,05,24
